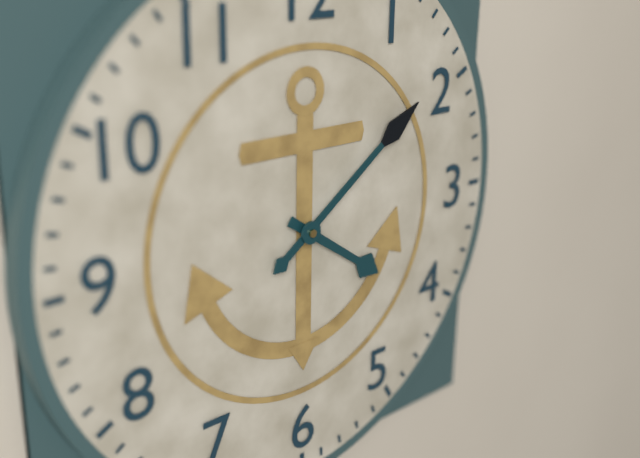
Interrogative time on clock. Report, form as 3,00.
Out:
4,09
